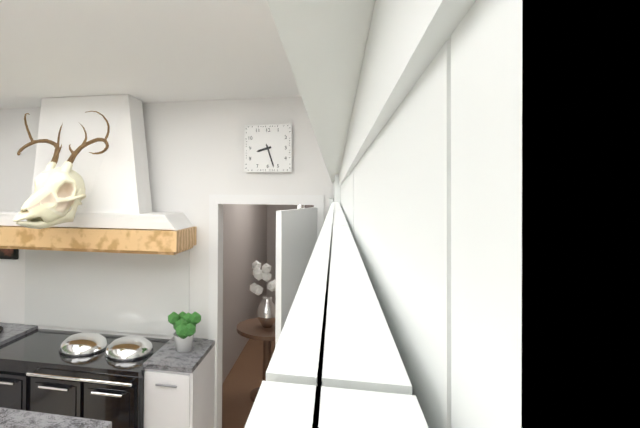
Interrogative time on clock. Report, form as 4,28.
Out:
8,27
